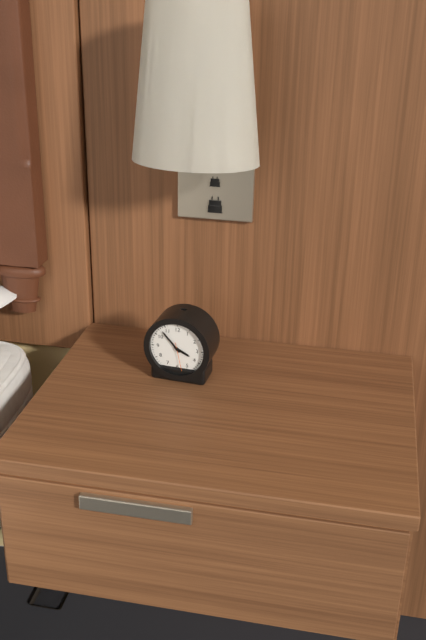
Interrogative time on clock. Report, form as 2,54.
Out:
3,53
